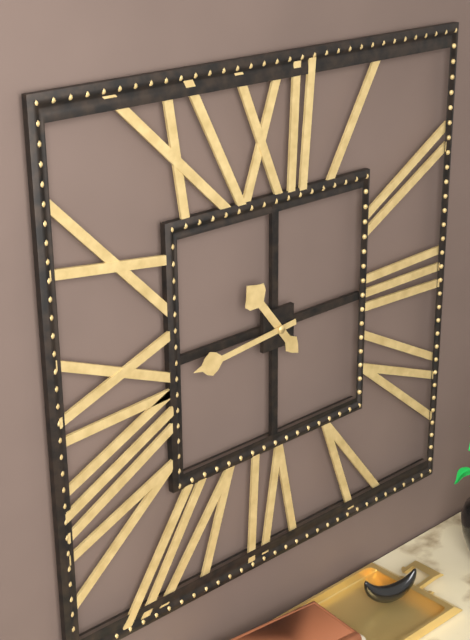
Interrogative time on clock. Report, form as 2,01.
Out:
10,44
